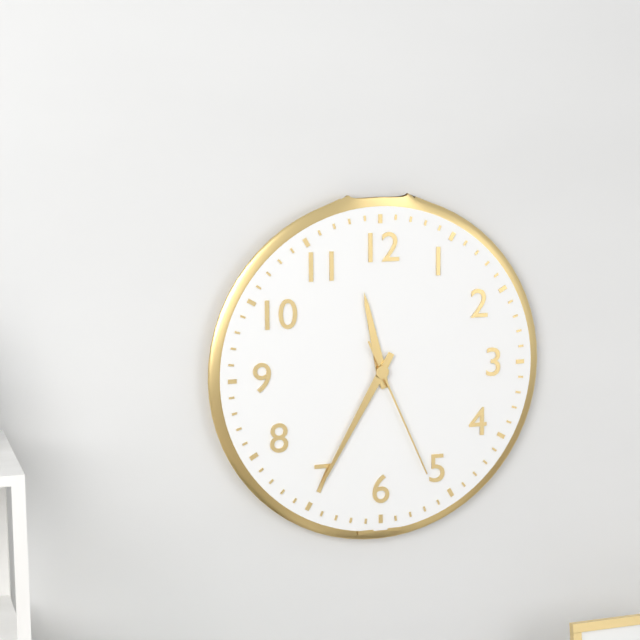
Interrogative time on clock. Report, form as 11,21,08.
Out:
11,35,26
